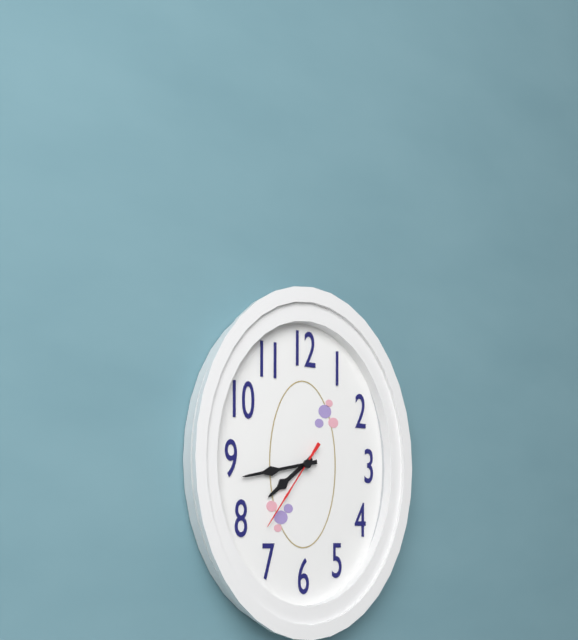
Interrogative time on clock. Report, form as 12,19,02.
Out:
7,43,36
